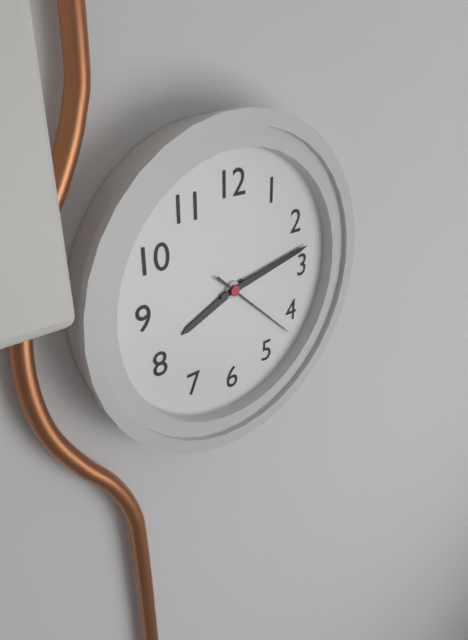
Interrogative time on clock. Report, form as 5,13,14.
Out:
8,13,22
